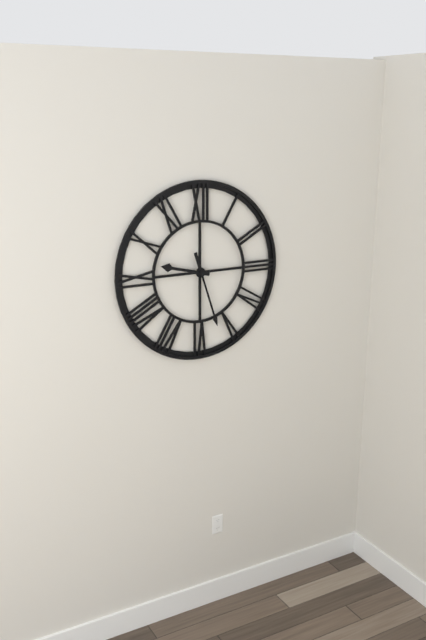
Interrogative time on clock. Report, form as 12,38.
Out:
9,27
